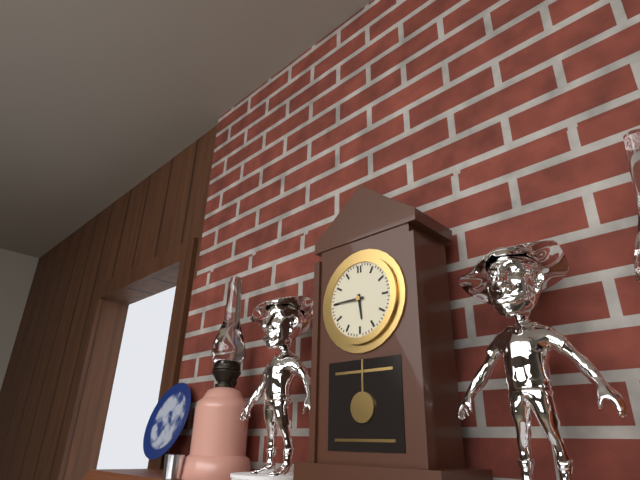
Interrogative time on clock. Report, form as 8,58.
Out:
5,45
